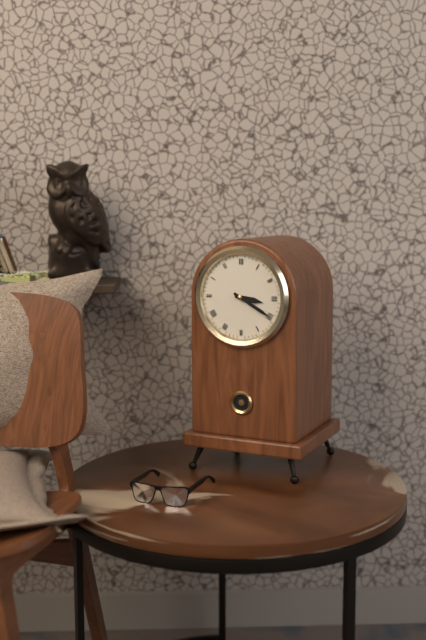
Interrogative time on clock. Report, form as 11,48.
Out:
3,20
